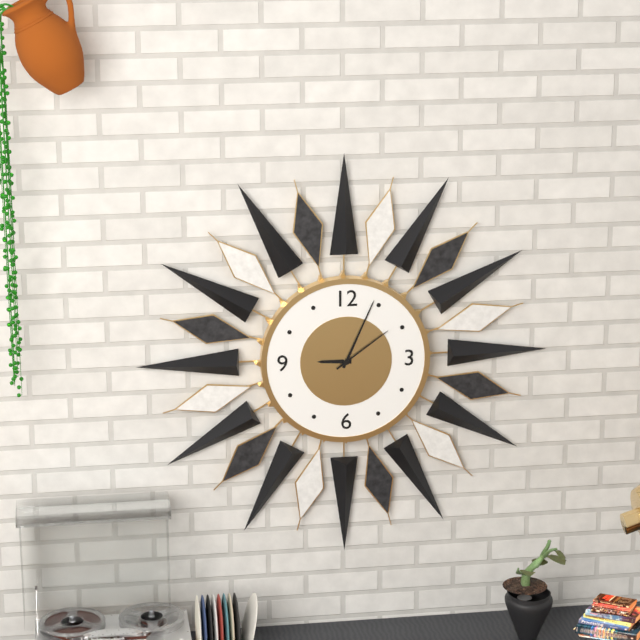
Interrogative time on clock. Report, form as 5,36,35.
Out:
9,04,09
